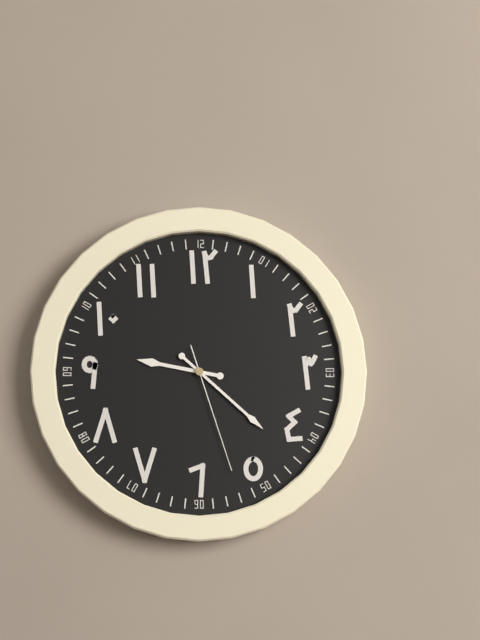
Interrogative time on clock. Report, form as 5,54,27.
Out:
9,22,27
